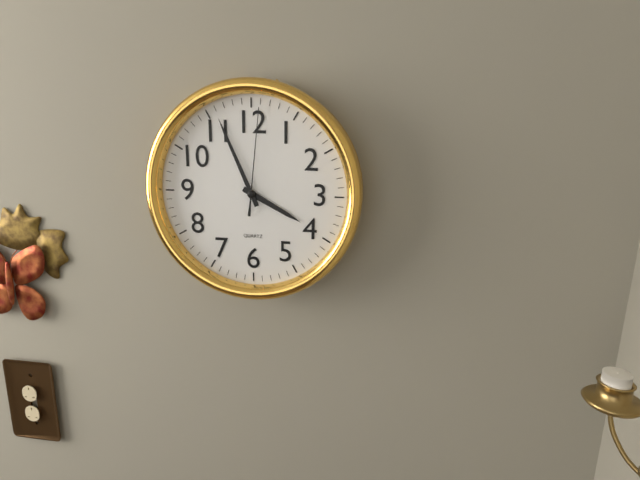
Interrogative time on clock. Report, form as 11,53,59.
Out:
3,56,01
